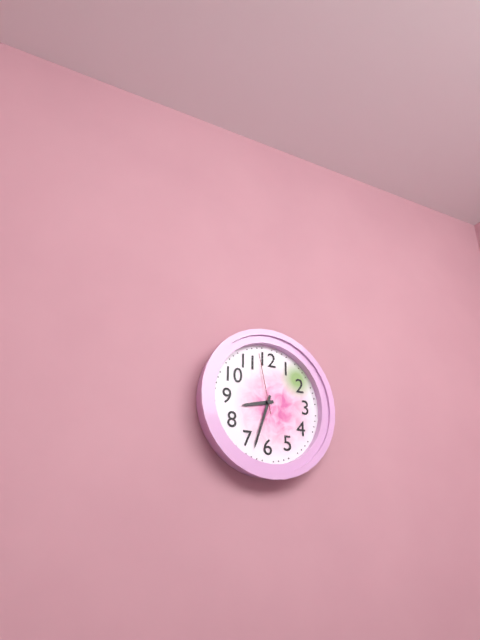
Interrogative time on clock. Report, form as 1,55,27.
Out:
8,33,58
